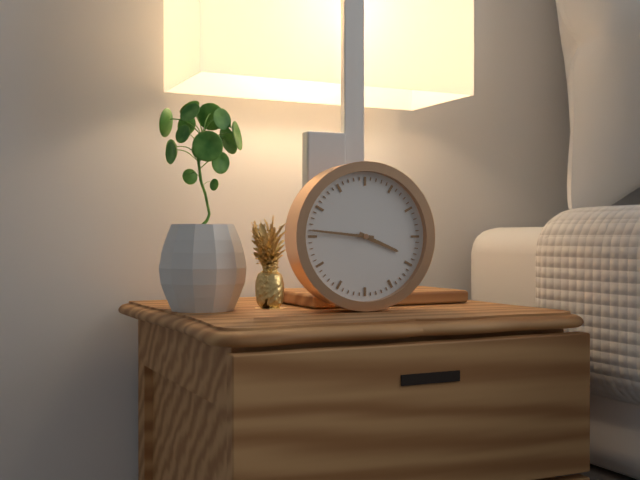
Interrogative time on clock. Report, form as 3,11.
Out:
3,46
